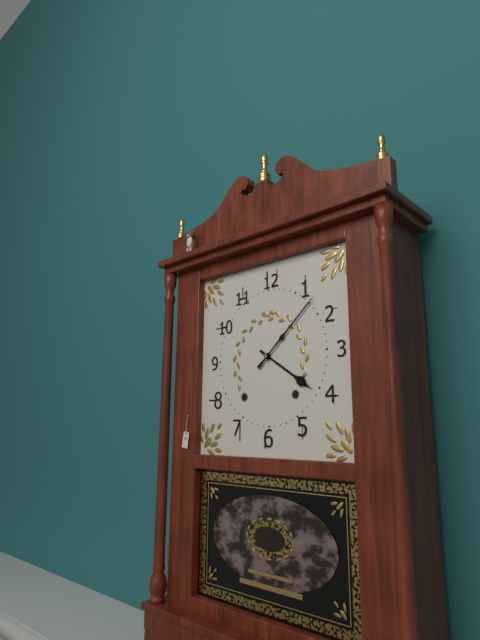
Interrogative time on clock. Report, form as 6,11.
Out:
4,08
